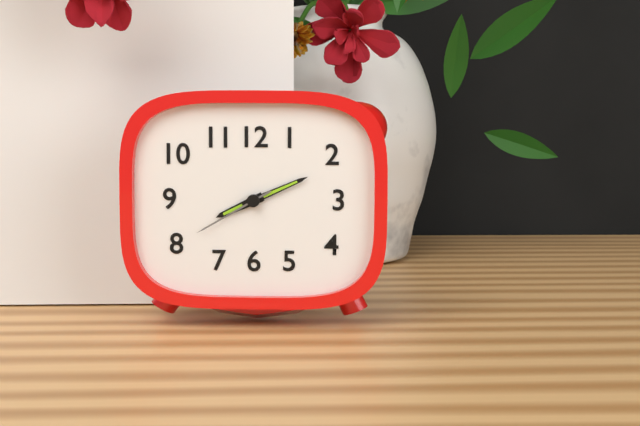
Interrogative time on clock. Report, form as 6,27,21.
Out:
8,11,40
